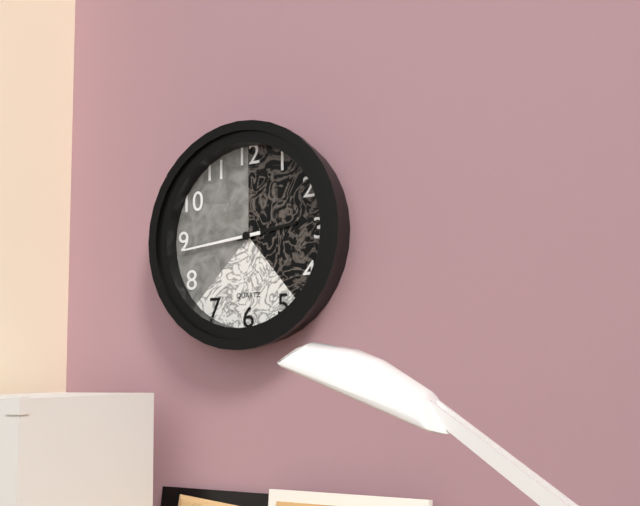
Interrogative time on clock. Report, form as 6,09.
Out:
2,44
